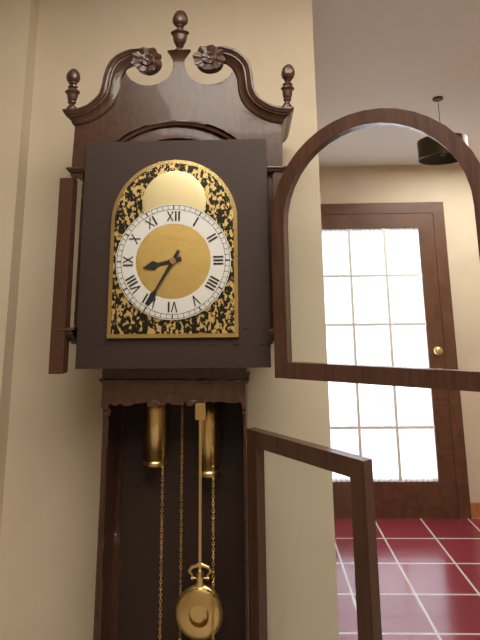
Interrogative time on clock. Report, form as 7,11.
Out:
8,35
